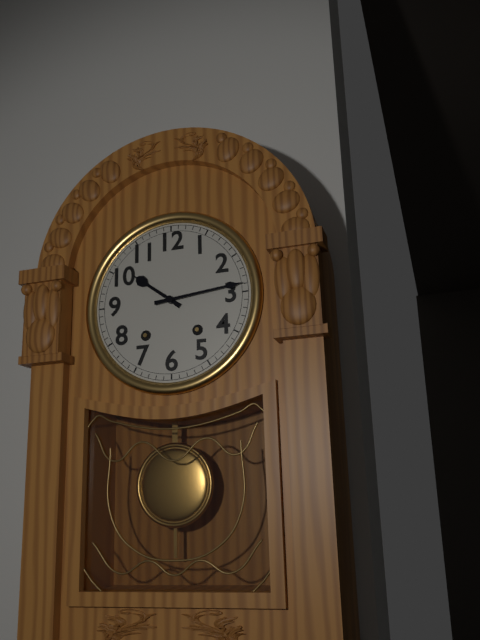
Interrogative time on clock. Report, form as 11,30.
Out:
10,14
